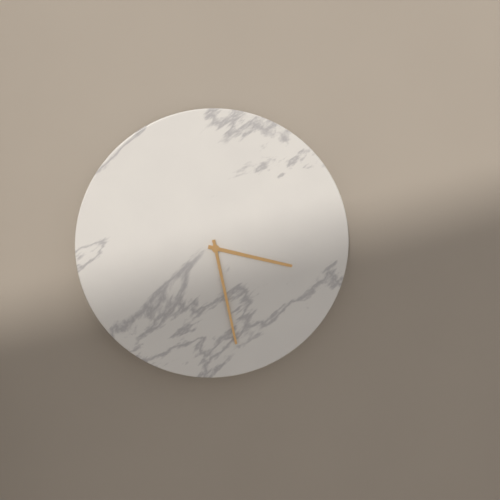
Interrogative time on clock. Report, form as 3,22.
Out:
3,28
